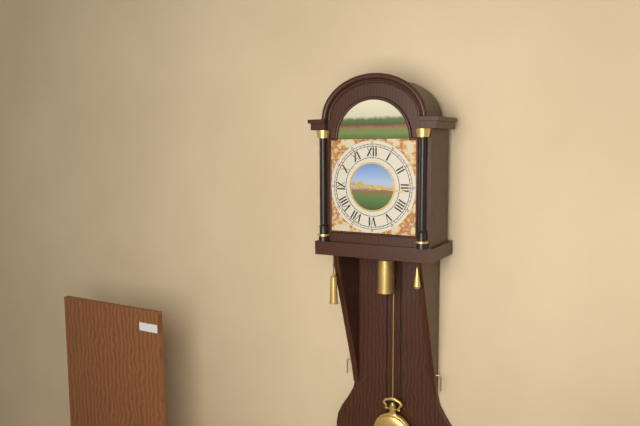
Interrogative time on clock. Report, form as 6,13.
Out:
9,16
